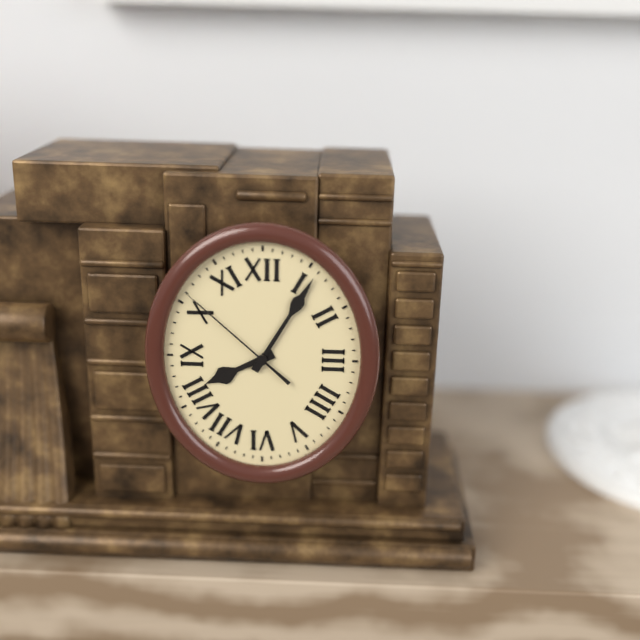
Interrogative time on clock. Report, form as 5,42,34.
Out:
8,05,52
